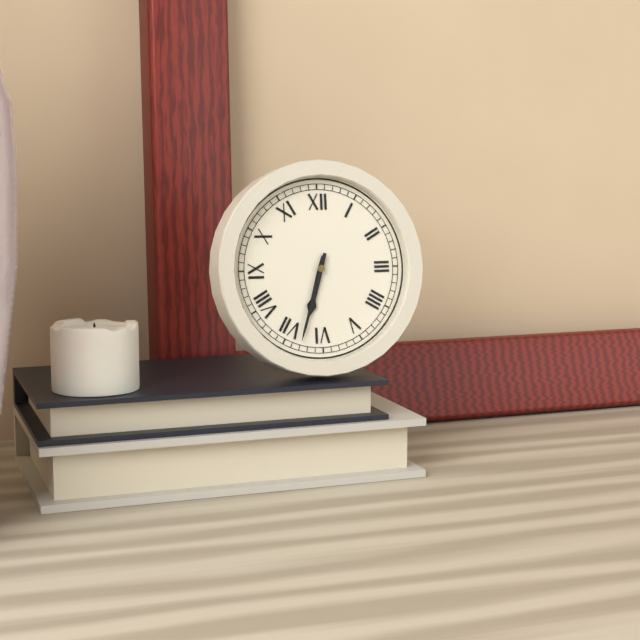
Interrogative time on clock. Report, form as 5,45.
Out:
6,33
